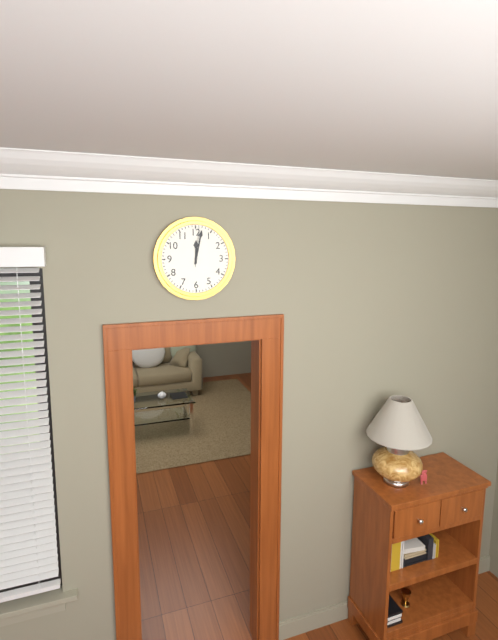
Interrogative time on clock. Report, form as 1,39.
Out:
12,02
